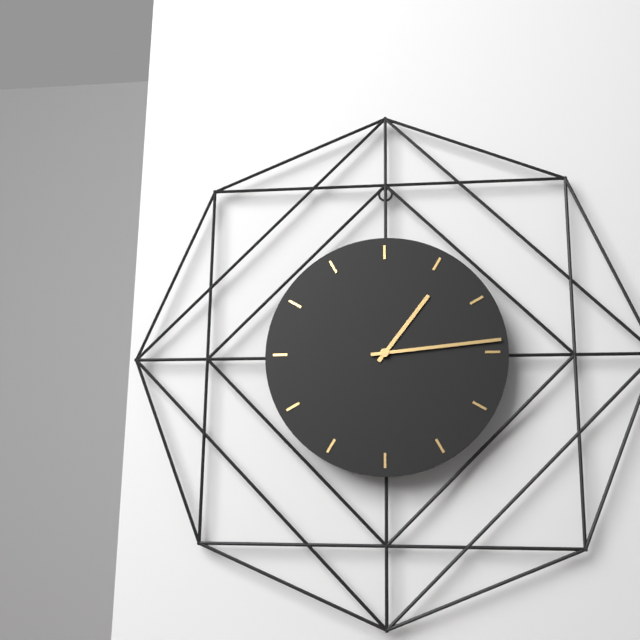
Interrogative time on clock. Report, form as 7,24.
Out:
1,14
